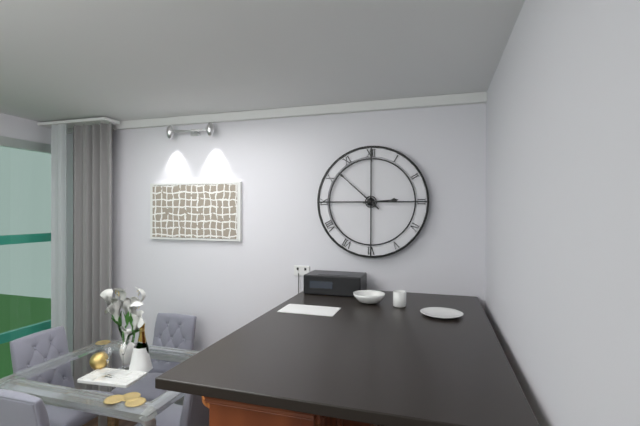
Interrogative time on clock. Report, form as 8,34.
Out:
2,52
